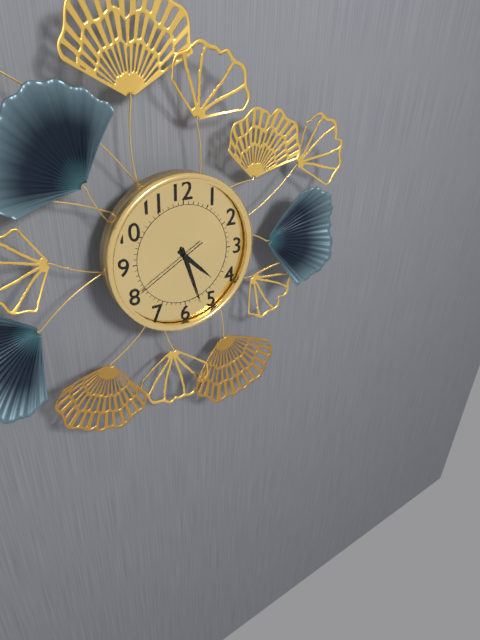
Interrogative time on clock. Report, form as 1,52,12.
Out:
4,27,40
